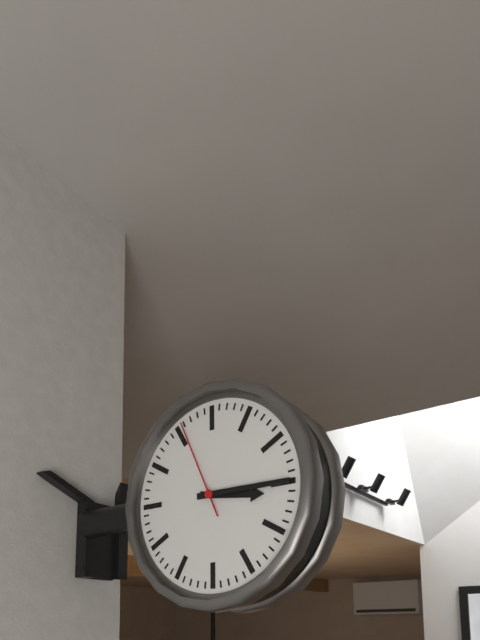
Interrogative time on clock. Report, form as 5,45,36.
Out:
3,15,56
